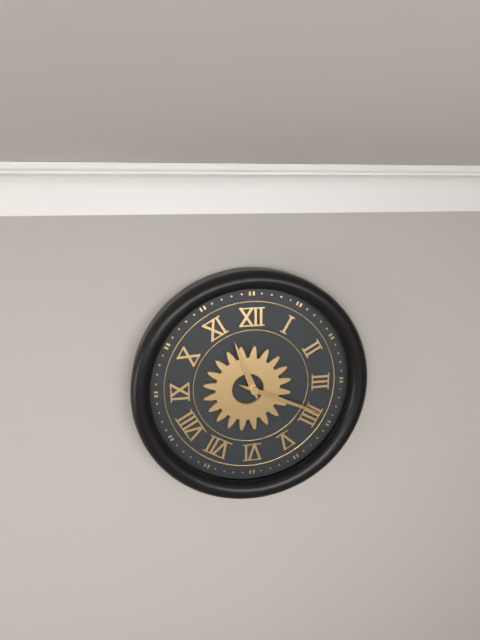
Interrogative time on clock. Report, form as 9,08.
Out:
11,19
